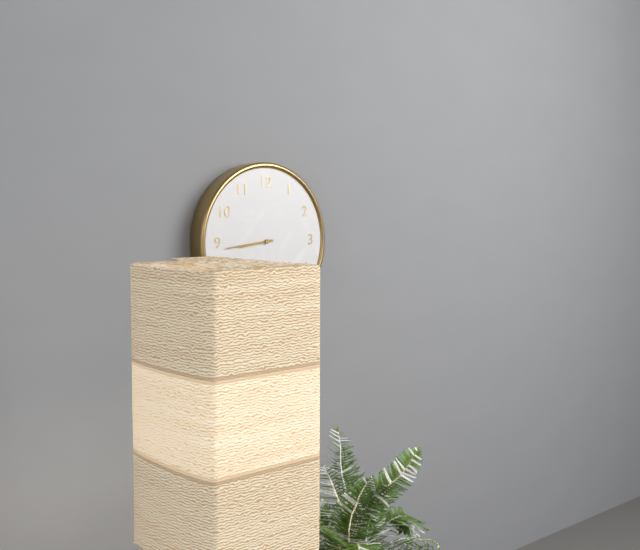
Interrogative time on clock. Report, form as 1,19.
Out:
8,44
